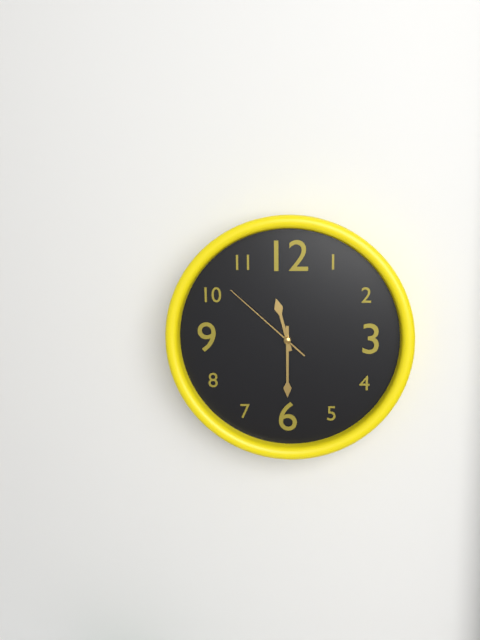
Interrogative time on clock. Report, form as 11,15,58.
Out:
11,30,52
